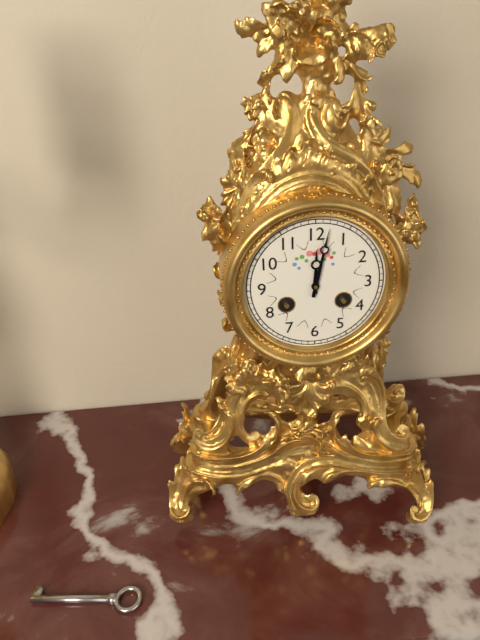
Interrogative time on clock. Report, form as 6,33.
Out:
12,02
